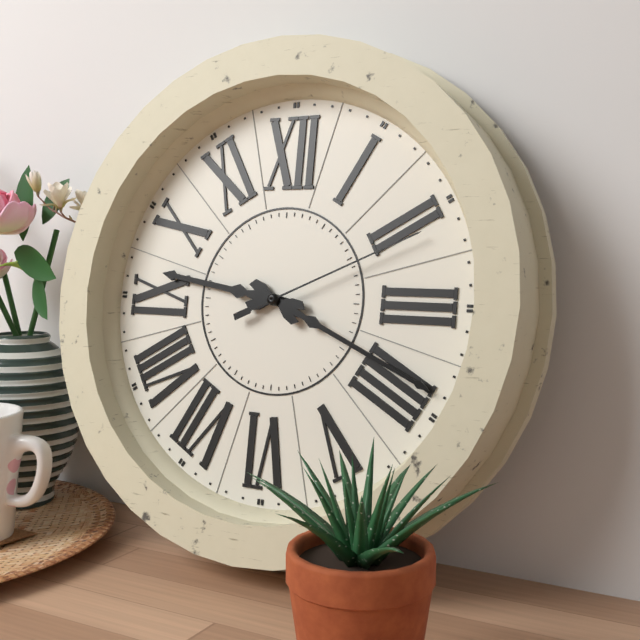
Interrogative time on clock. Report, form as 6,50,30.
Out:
9,19,11
